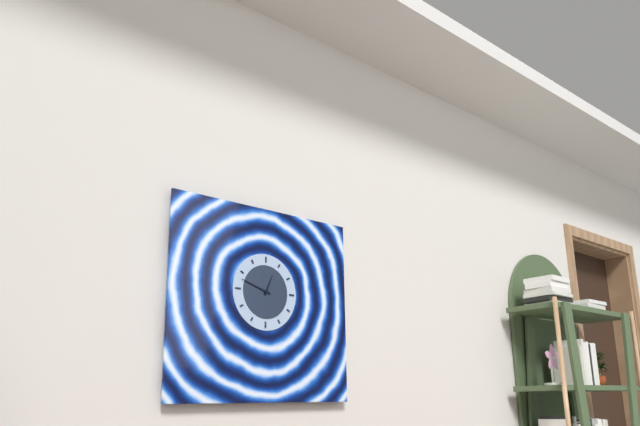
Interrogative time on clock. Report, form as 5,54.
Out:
12,48
